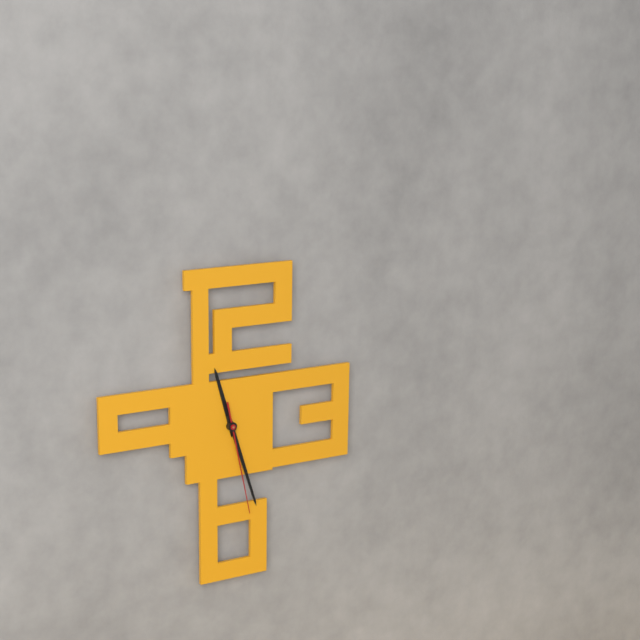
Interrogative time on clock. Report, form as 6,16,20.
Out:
11,27,28
